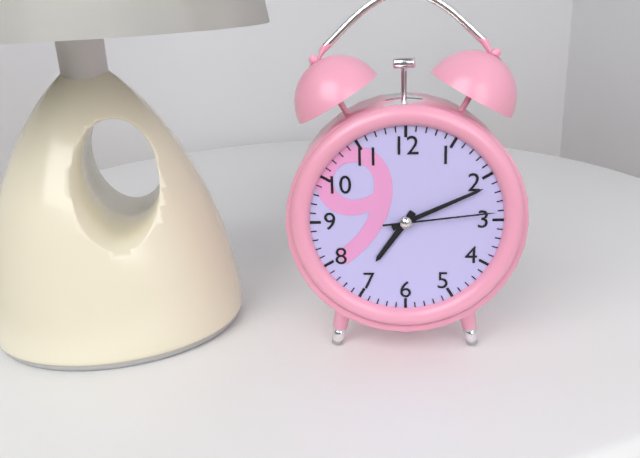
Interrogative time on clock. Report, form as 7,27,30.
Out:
7,11,14
